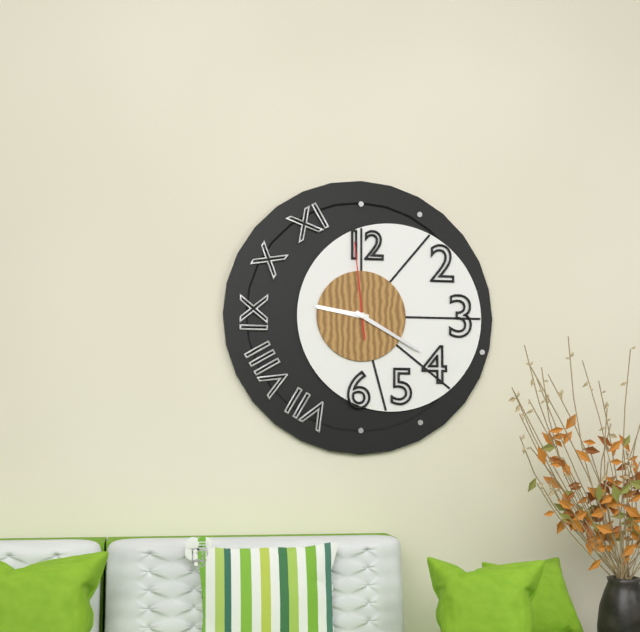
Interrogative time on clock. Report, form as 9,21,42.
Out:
9,20,59
